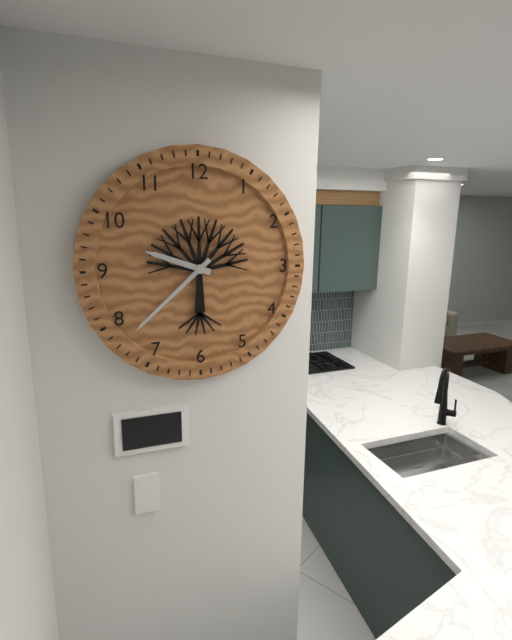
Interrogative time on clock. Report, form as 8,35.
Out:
9,38
